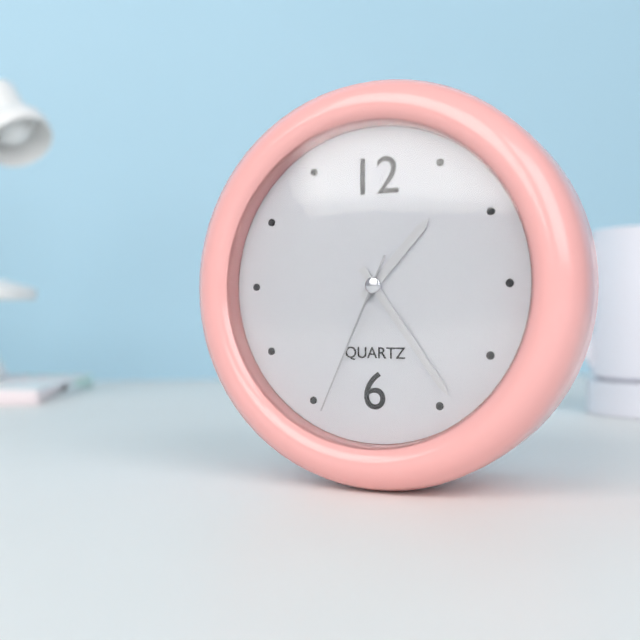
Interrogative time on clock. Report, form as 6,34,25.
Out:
1,24,34
